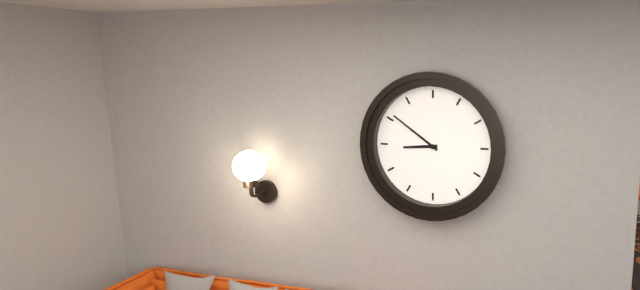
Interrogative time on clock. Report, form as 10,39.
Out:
8,51
